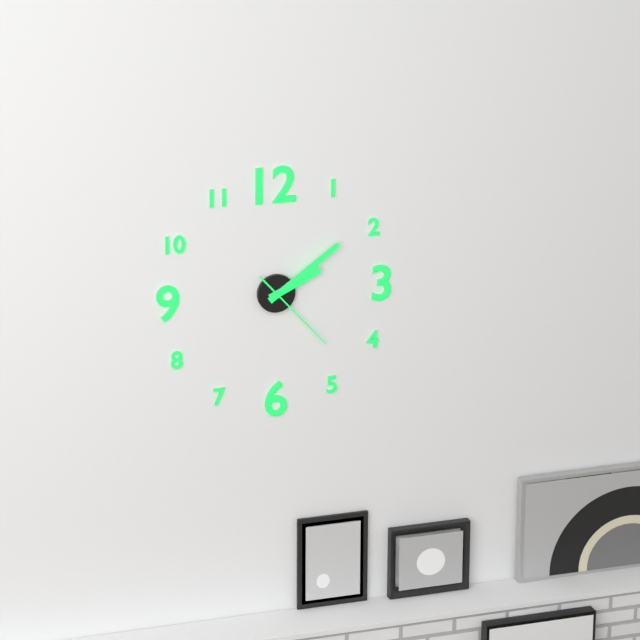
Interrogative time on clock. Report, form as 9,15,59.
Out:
2,09,23
